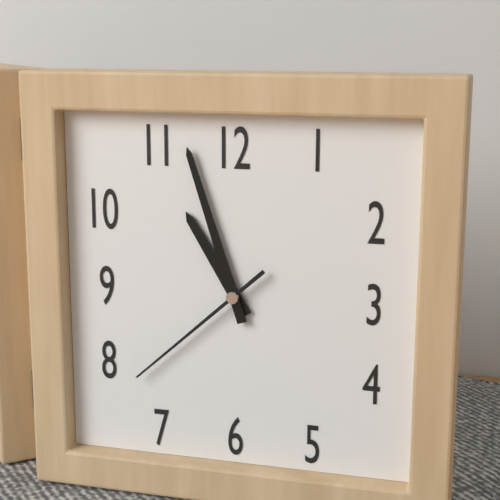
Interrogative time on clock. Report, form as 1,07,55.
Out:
10,57,38
